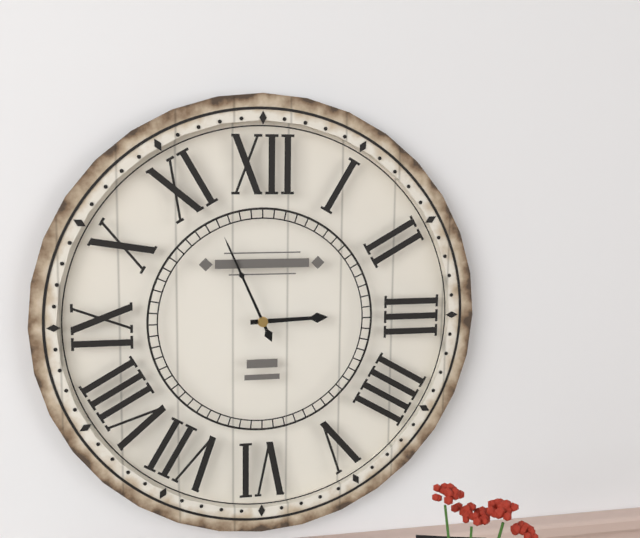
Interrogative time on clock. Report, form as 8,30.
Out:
2,56
